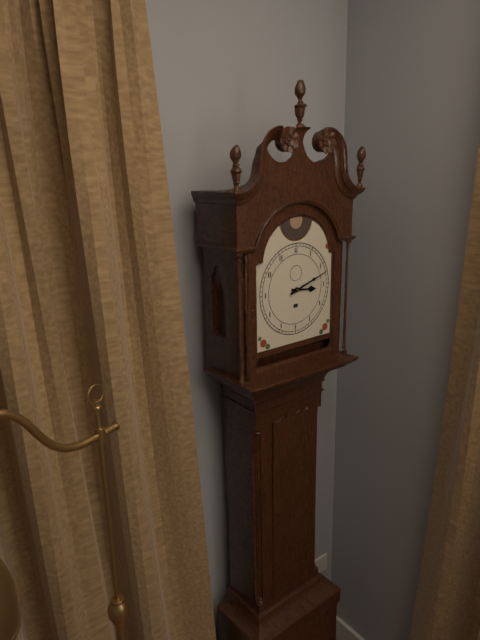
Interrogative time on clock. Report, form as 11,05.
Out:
3,12
